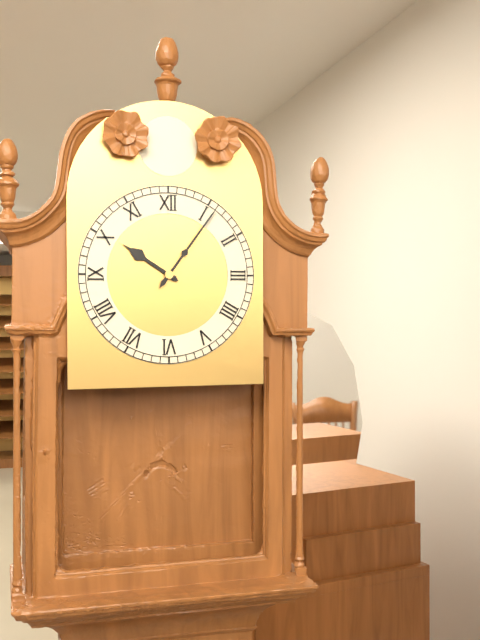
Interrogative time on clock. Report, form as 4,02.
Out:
10,06
